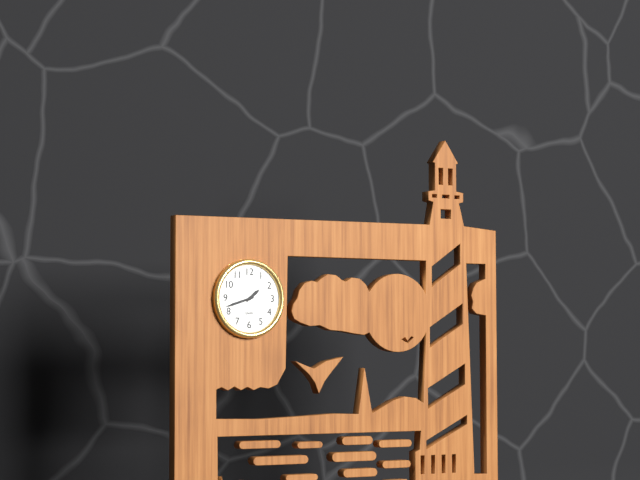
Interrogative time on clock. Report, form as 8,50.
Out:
1,42
